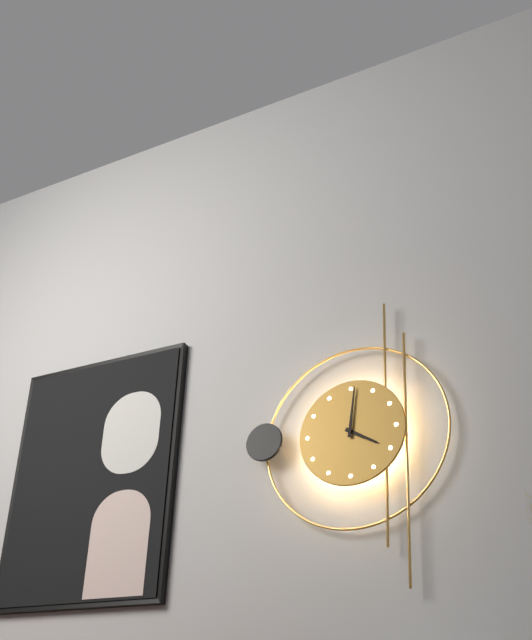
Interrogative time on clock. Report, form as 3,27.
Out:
4,01
